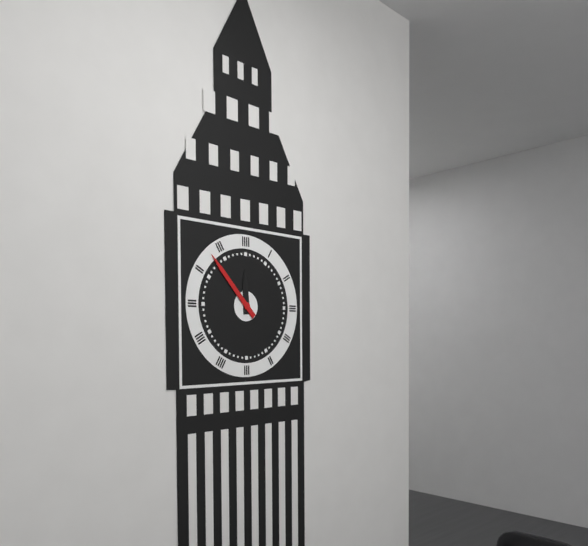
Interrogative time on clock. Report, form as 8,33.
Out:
11,53
